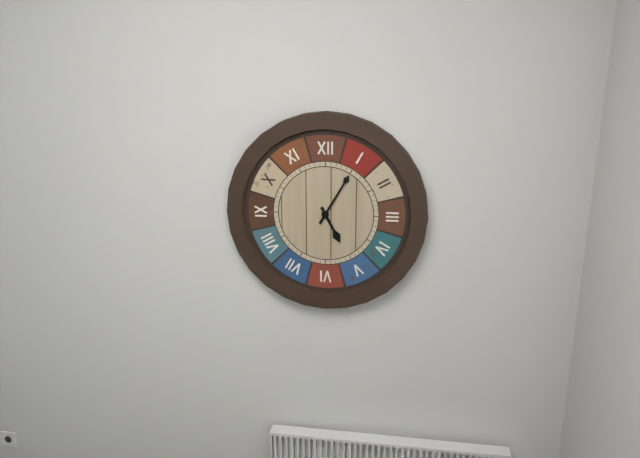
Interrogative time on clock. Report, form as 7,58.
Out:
5,05
